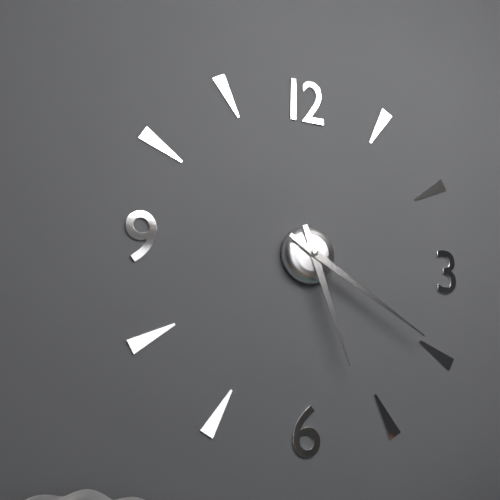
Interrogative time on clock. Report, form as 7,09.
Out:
5,20
